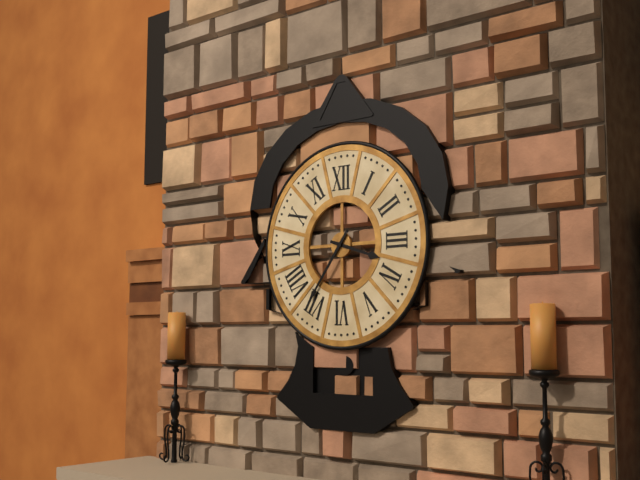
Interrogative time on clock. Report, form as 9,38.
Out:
3,36
